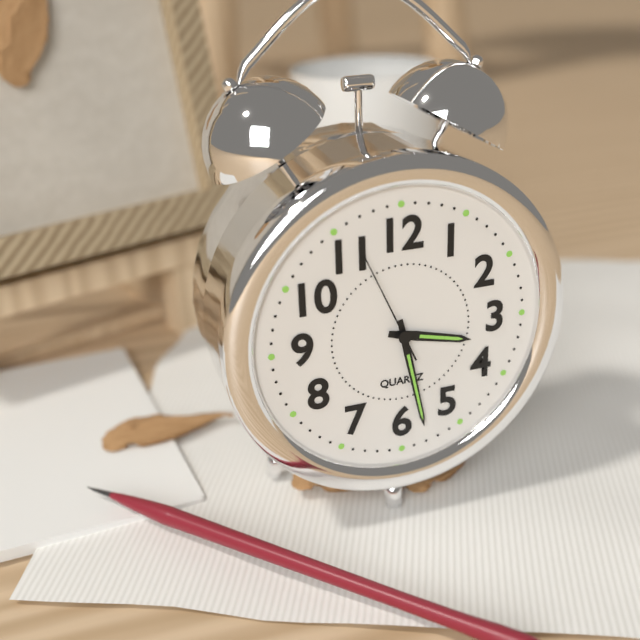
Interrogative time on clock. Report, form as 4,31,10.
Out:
3,28,56
